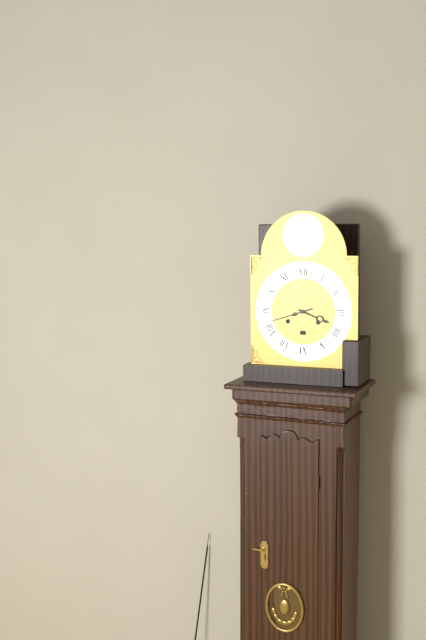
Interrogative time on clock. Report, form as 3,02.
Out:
3,42
